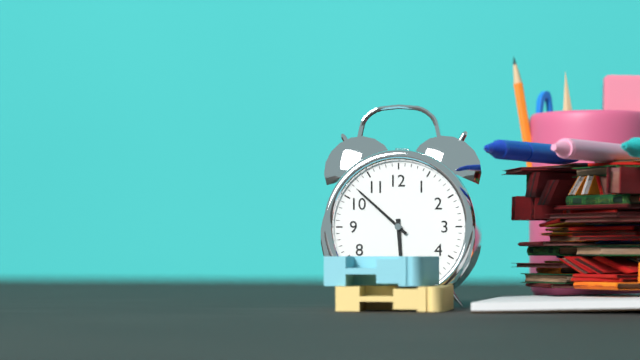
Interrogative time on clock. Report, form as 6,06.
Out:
5,52
